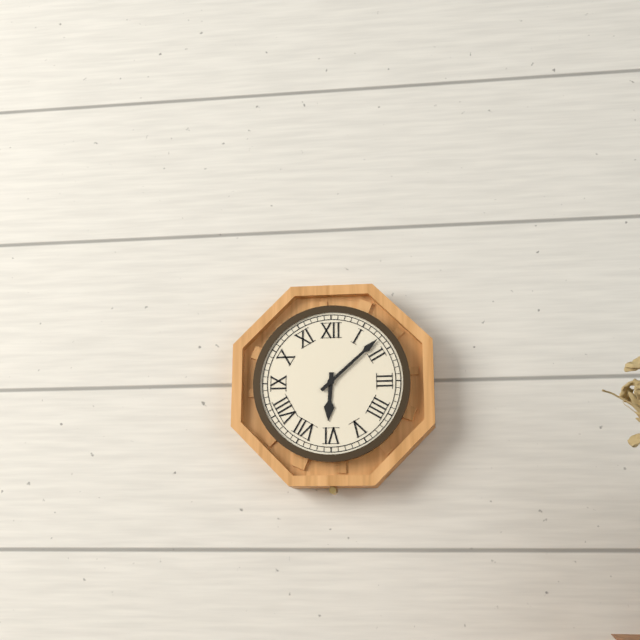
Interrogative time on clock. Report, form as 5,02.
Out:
6,08
